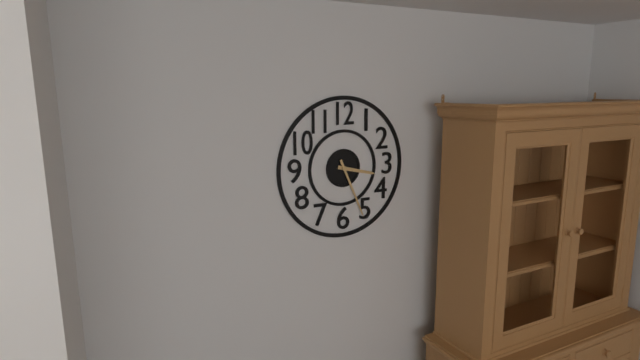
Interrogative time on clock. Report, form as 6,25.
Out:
3,26
